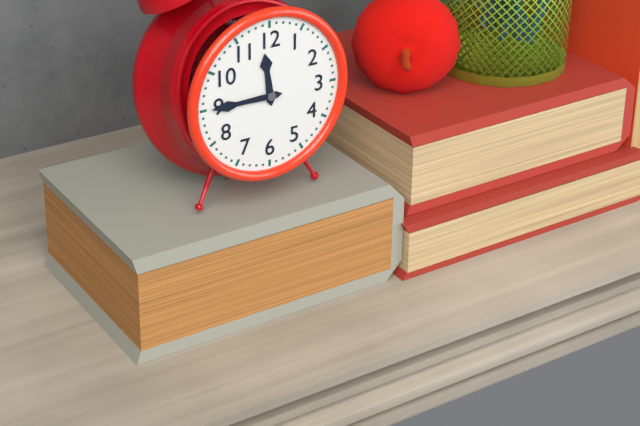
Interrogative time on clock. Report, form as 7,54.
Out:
11,45
